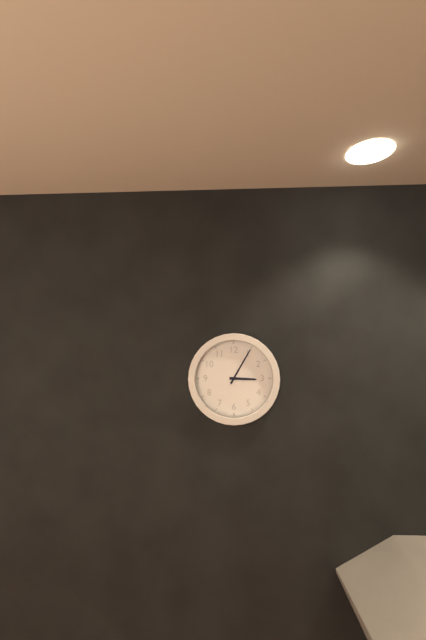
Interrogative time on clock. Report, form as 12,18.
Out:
3,05
